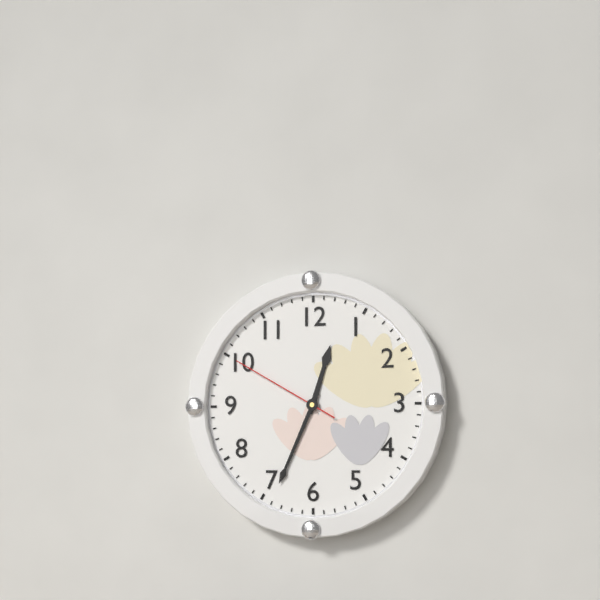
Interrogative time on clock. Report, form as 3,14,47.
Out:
12,34,50
